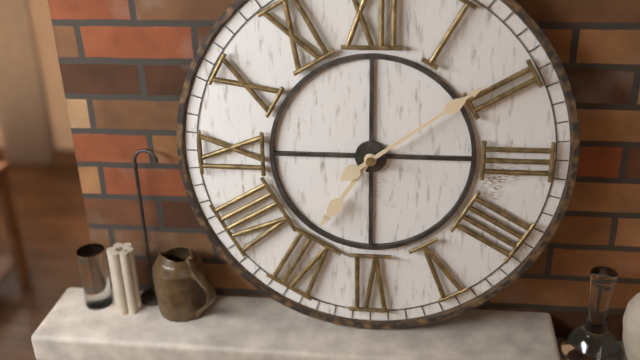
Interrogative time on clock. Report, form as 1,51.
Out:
7,09
